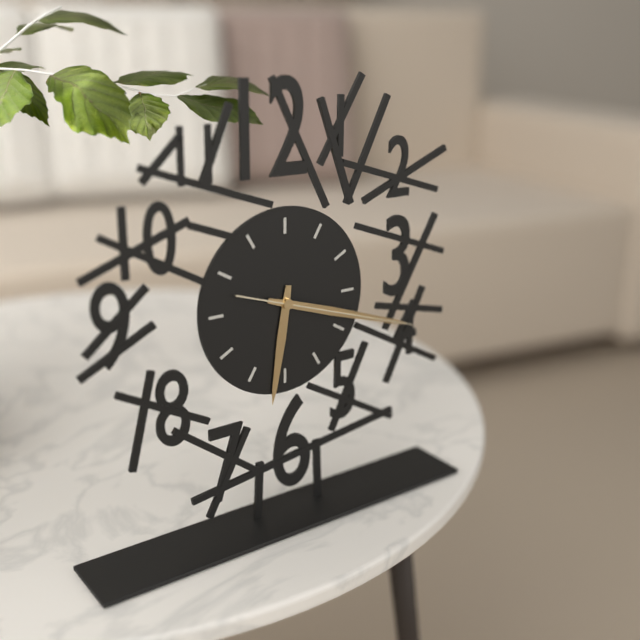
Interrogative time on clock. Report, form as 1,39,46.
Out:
6,18,18
